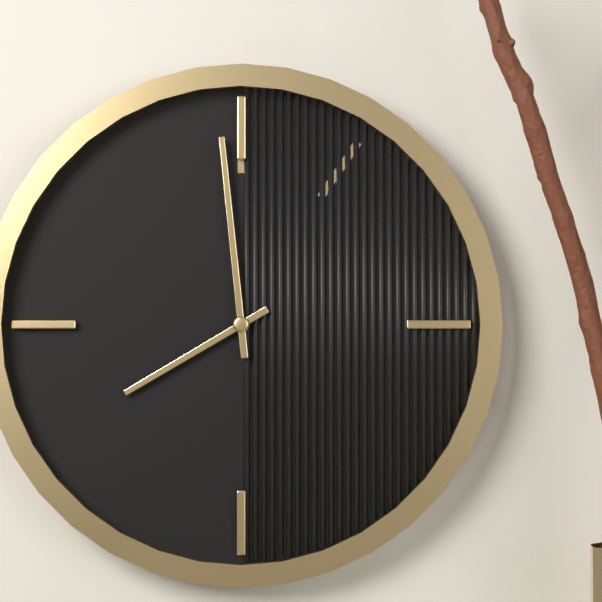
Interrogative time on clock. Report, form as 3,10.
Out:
7,59
